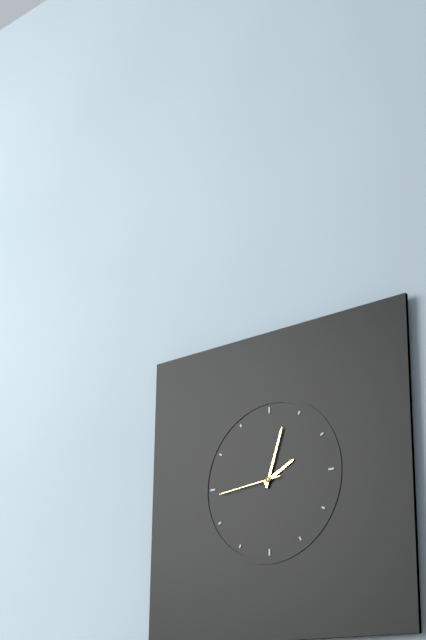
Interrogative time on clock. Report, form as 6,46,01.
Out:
2,03,44
